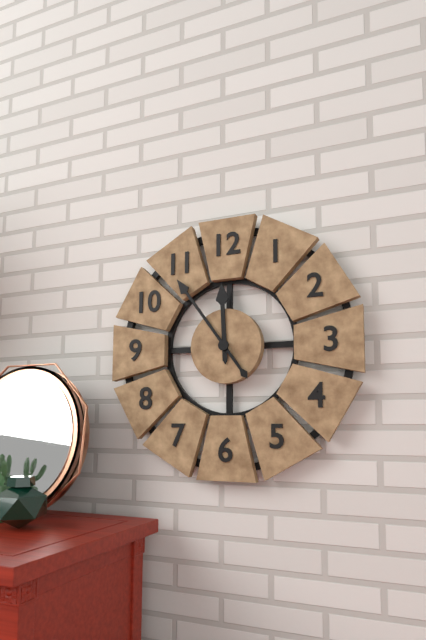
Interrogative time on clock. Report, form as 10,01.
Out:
11,54
